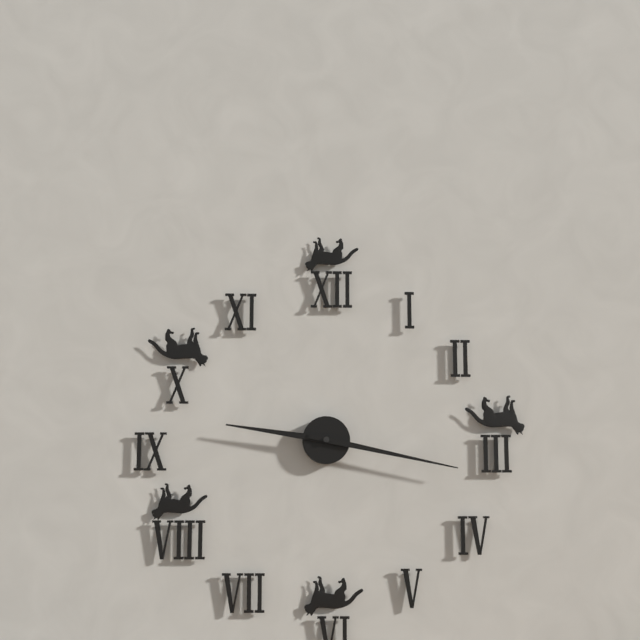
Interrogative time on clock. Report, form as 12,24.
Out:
9,17
